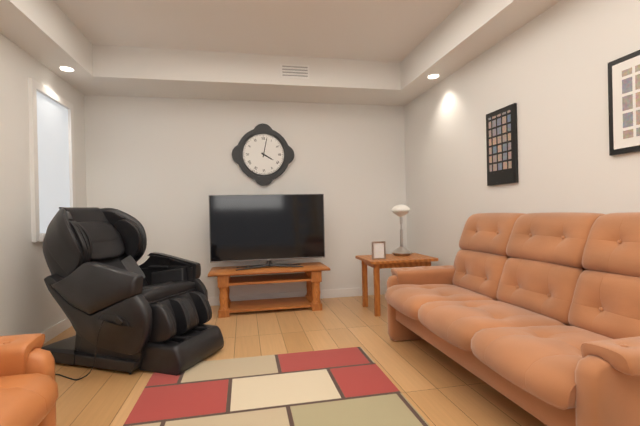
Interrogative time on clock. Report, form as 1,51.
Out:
4,02
